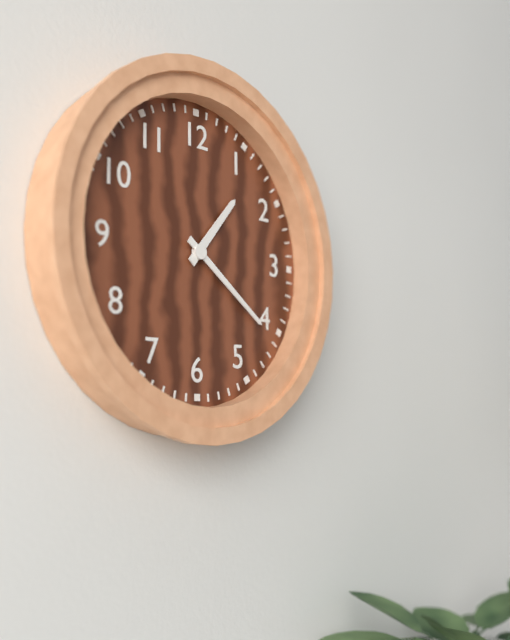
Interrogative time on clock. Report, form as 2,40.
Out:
1,21
